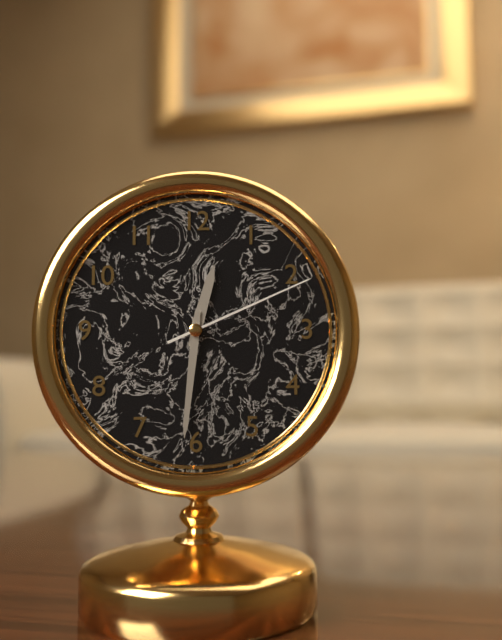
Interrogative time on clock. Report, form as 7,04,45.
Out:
12,31,11
